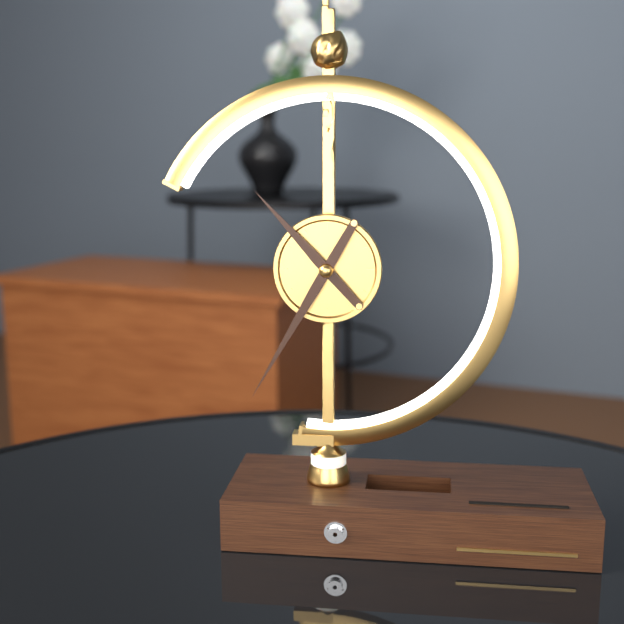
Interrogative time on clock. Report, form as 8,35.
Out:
10,35
